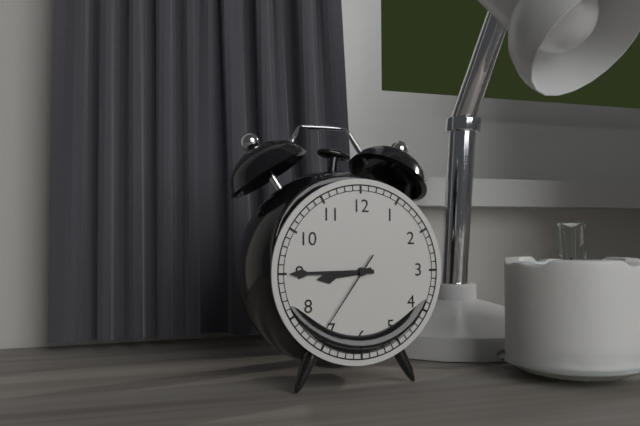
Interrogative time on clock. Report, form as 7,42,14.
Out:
8,45,36
